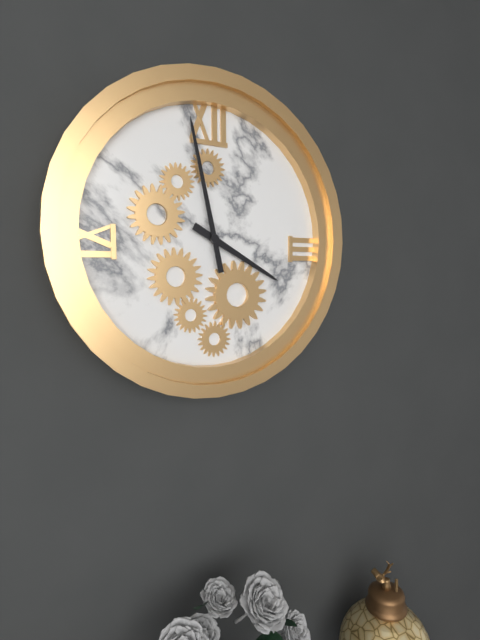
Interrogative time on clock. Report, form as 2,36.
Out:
3,58
